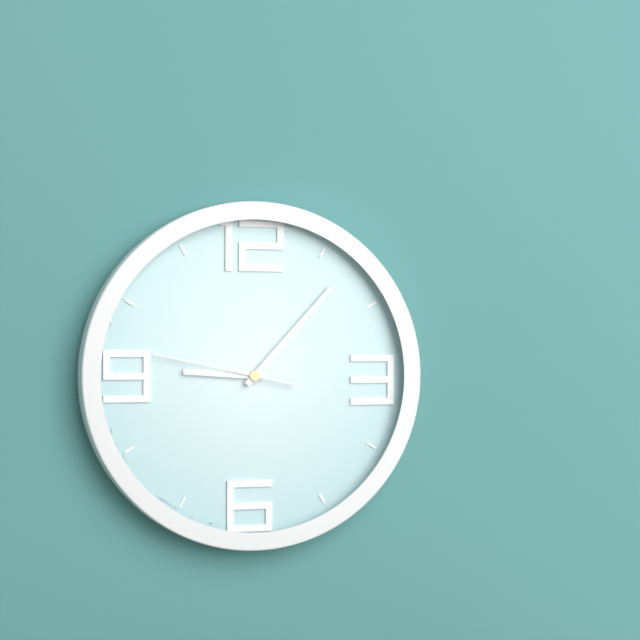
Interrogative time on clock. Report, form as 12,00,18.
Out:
9,07,47
